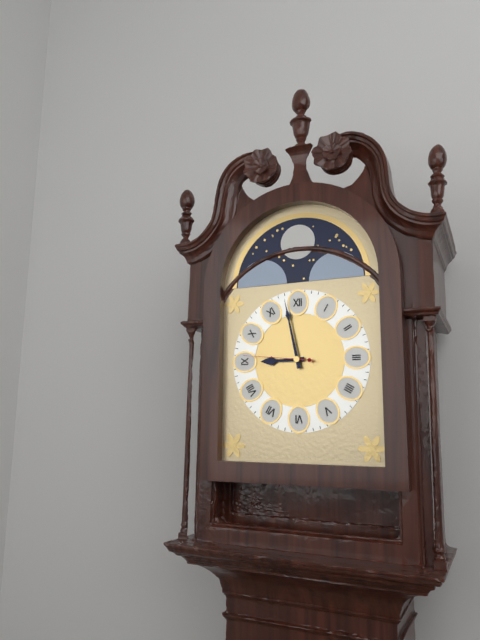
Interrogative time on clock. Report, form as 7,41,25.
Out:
8,58,46
